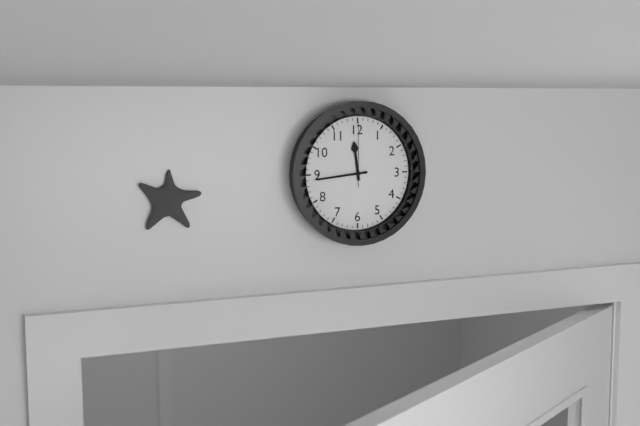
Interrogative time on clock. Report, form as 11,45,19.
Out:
11,44,00
